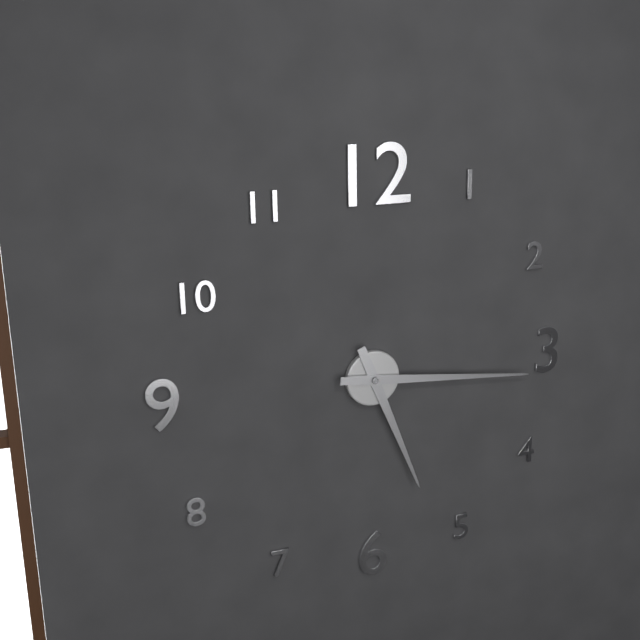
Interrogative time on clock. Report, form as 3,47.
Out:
5,16
